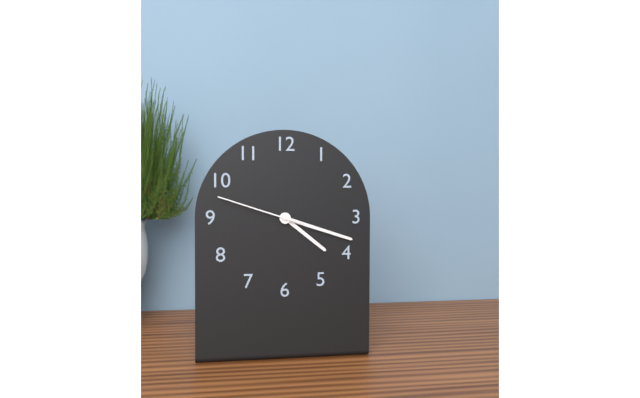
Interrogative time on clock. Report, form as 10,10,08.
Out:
4,18,48
